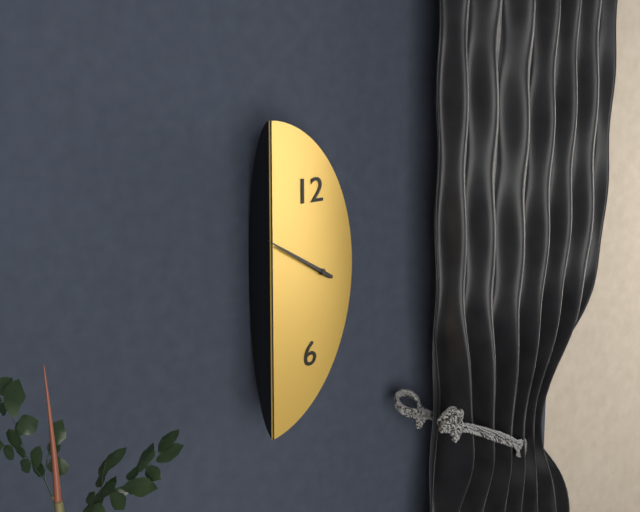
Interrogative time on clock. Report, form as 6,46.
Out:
9,49
